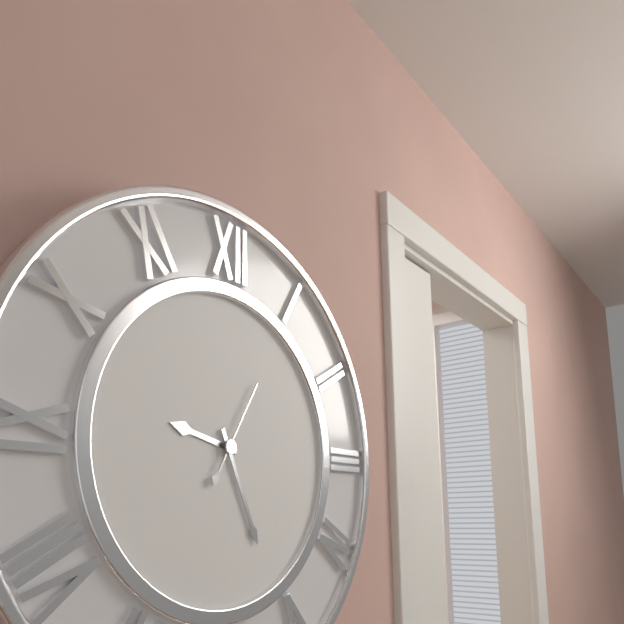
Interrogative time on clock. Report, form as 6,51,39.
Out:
9,26,05
